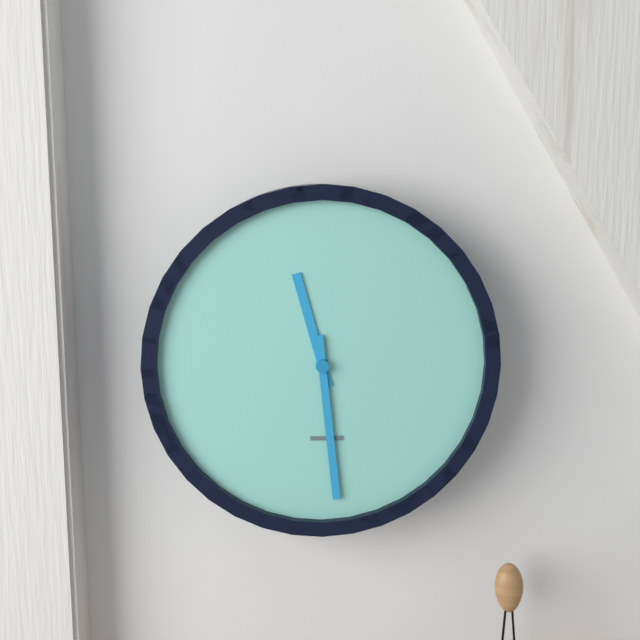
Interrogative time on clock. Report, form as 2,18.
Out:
11,29
